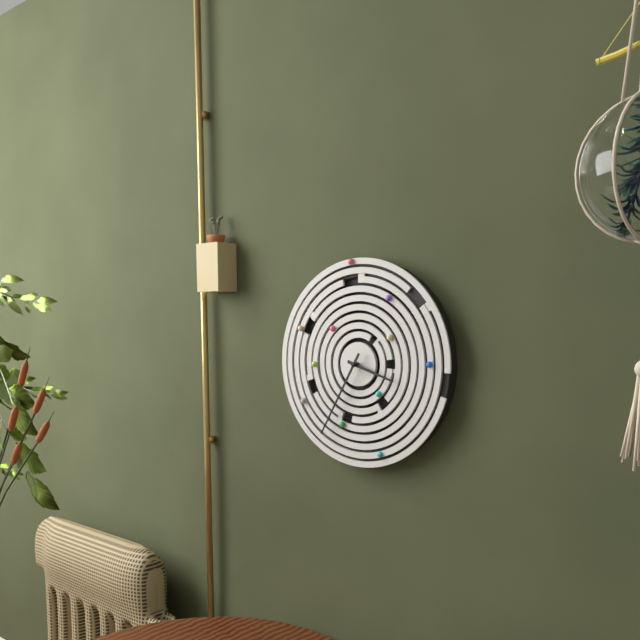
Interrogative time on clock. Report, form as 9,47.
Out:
3,35
